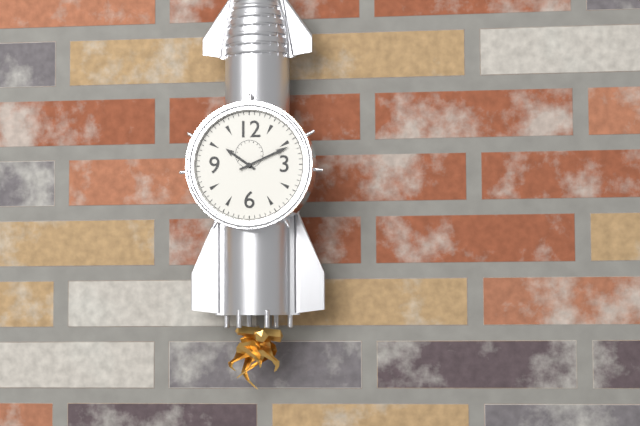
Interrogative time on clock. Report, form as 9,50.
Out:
10,11
